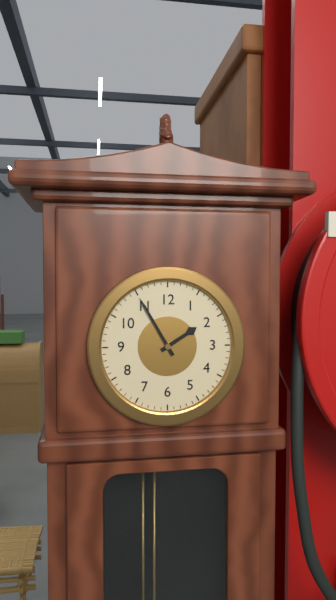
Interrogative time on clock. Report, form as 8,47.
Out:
1,55
